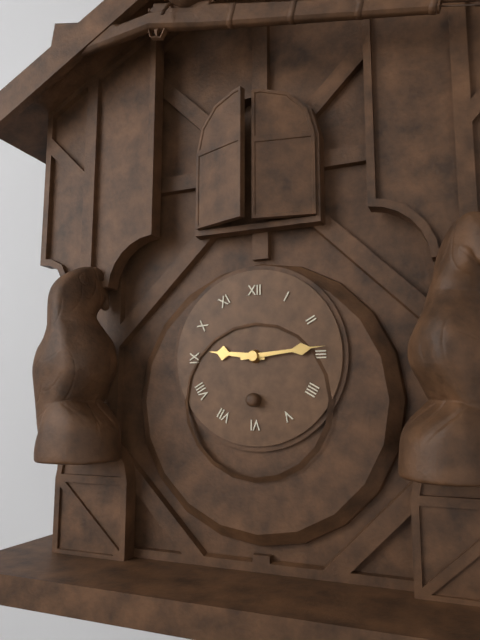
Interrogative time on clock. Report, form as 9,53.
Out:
9,14
